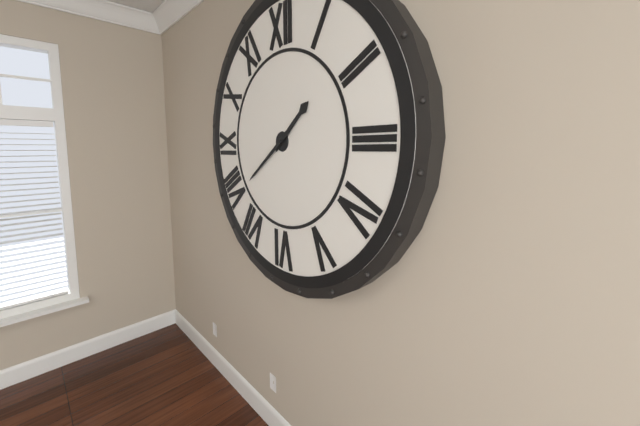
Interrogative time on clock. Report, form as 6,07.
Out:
1,39
